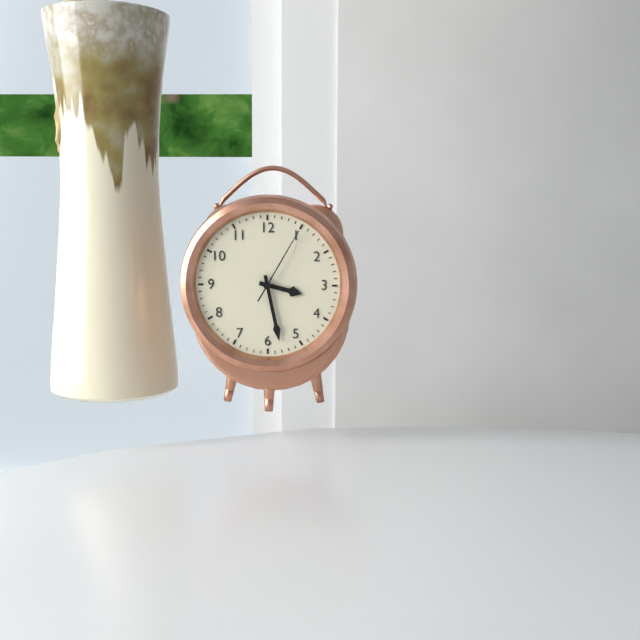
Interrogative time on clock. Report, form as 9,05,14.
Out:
3,28,05
